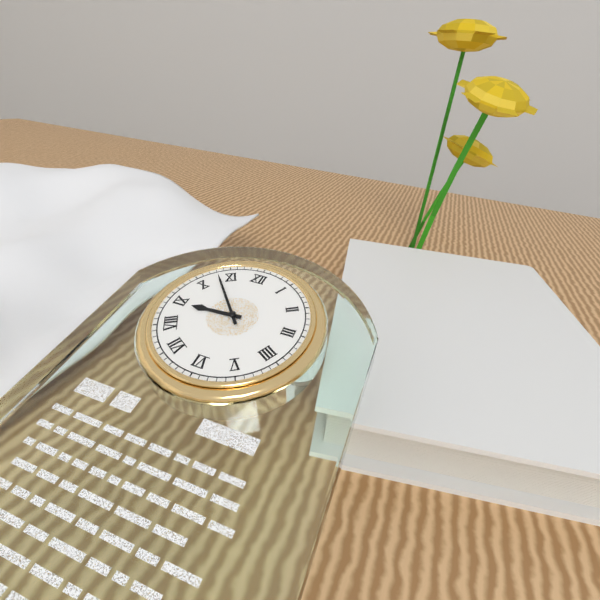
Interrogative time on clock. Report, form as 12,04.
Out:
8,53
